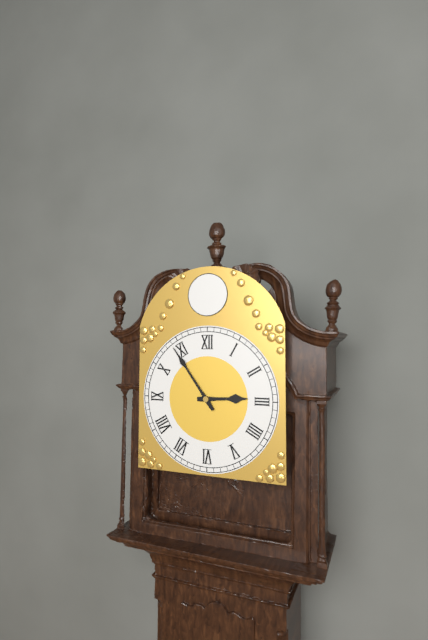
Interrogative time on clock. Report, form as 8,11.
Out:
2,54
